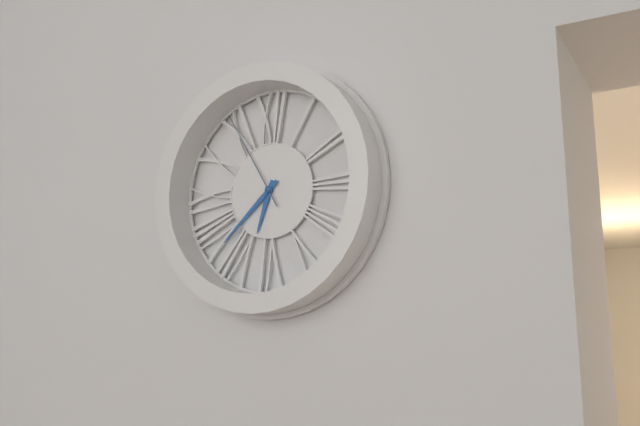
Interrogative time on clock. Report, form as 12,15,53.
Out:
6,38,55
